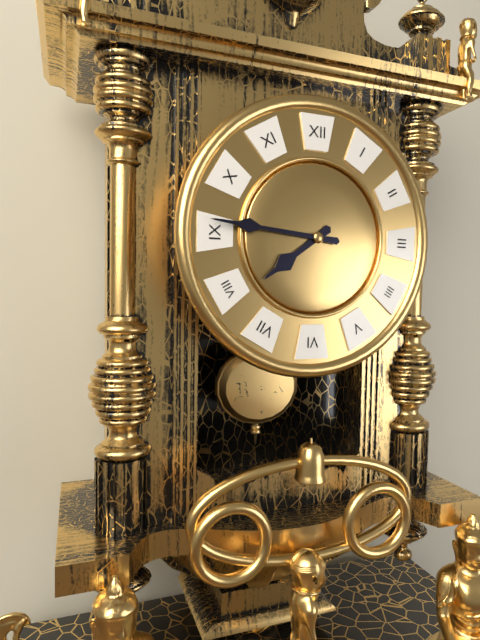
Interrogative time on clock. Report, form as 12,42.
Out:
7,46
